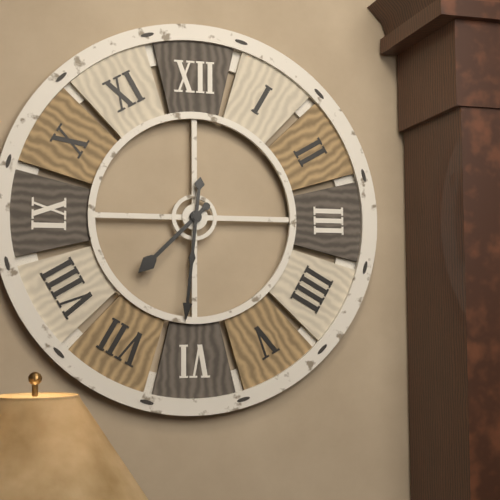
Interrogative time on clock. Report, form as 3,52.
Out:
7,31
